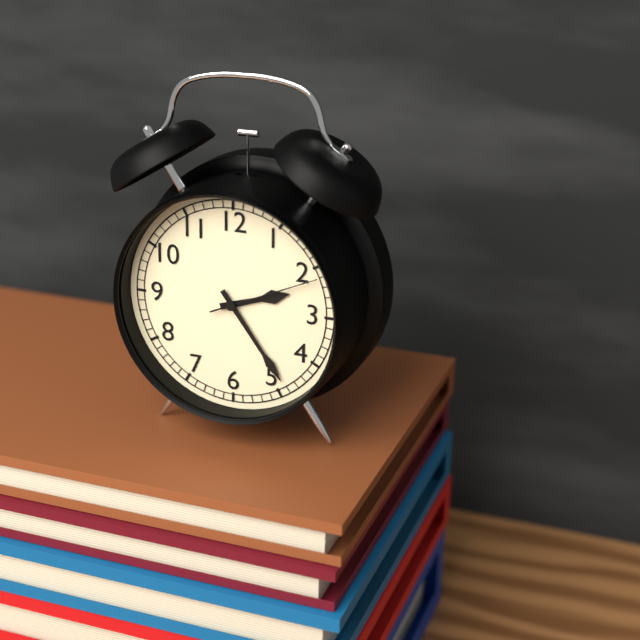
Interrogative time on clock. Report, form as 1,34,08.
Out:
2,24,11
